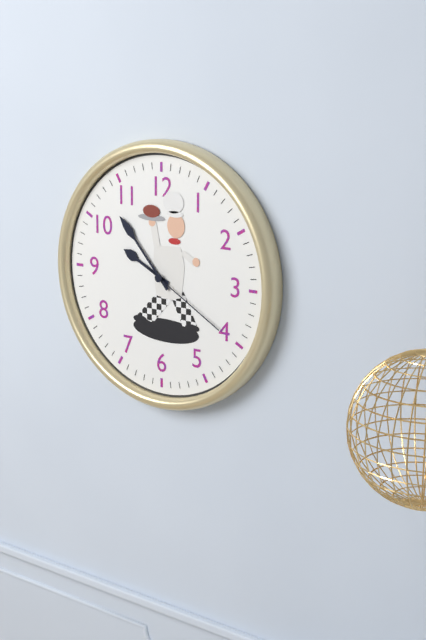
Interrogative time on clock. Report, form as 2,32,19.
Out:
9,53,20
